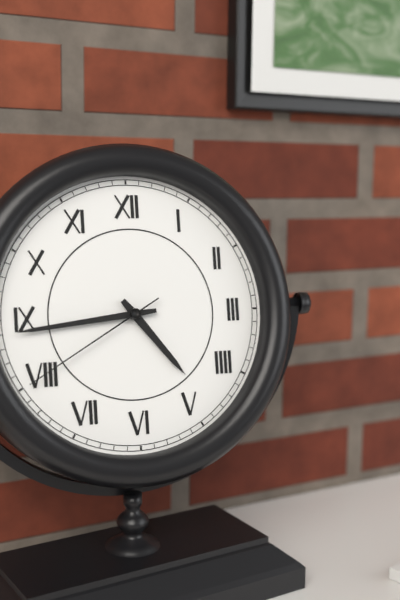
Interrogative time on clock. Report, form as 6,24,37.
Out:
4,44,40
